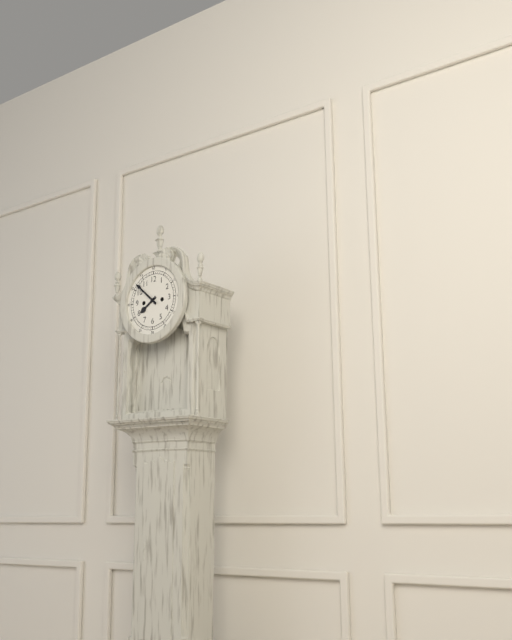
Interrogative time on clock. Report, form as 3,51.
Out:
7,52
